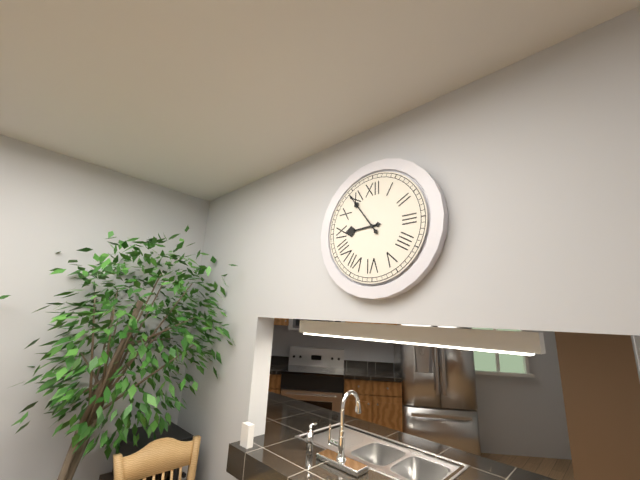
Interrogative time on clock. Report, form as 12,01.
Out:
8,54
